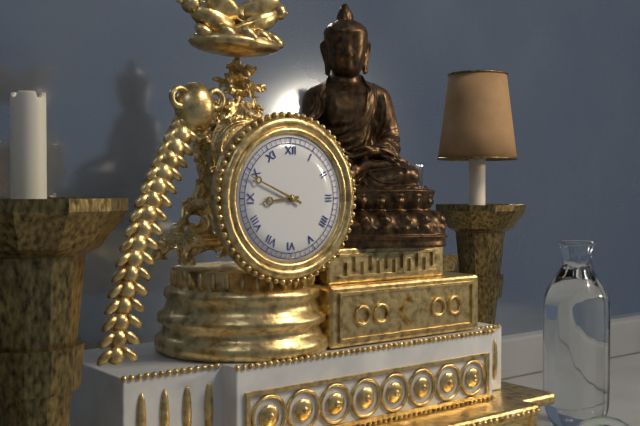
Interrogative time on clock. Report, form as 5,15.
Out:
8,49
